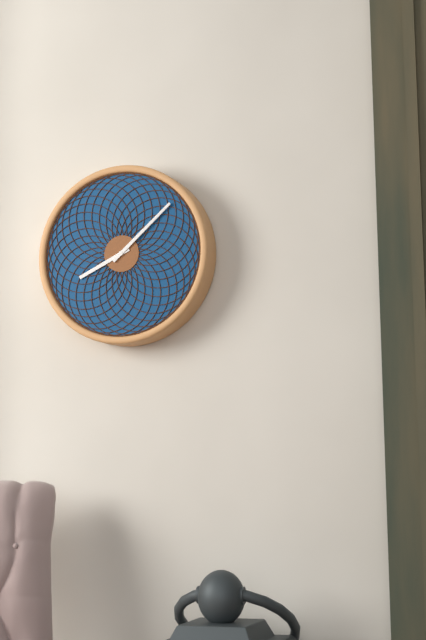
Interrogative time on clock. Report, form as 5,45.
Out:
8,08
